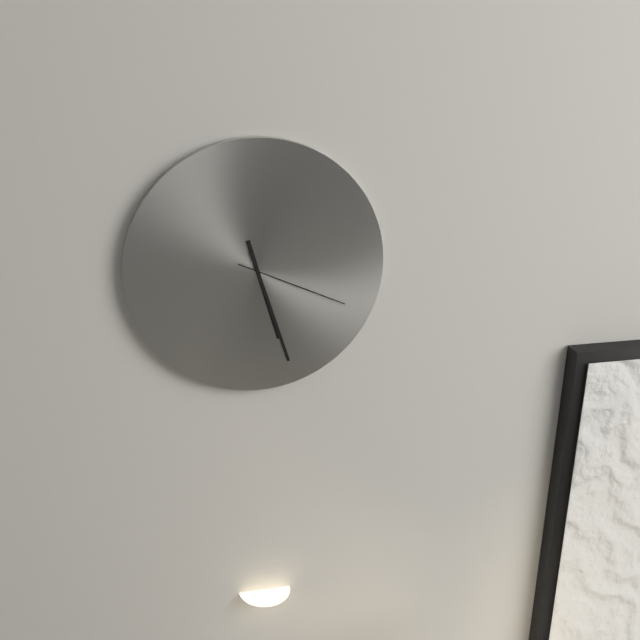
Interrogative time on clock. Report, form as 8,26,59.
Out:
5,27,19
